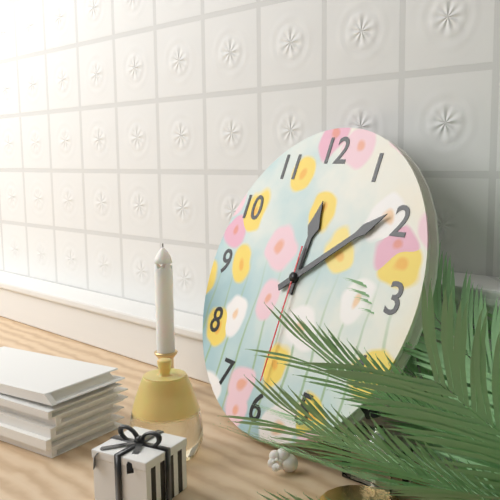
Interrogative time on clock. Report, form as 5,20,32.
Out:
12,09,30
